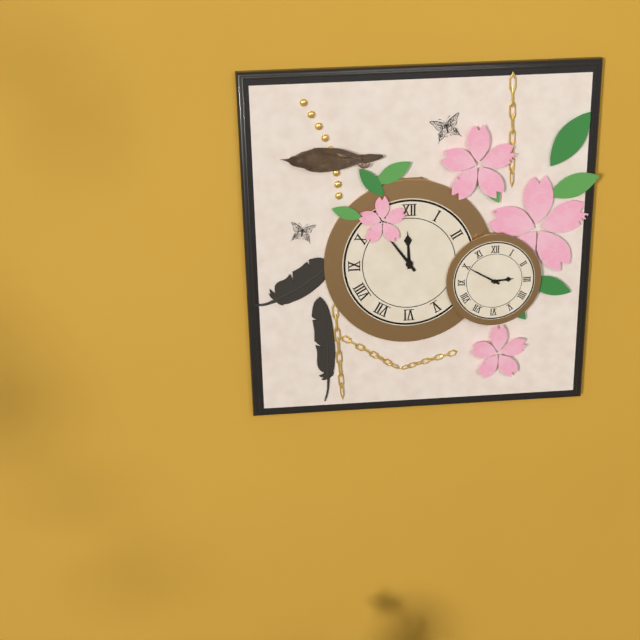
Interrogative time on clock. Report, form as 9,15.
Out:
11,54
